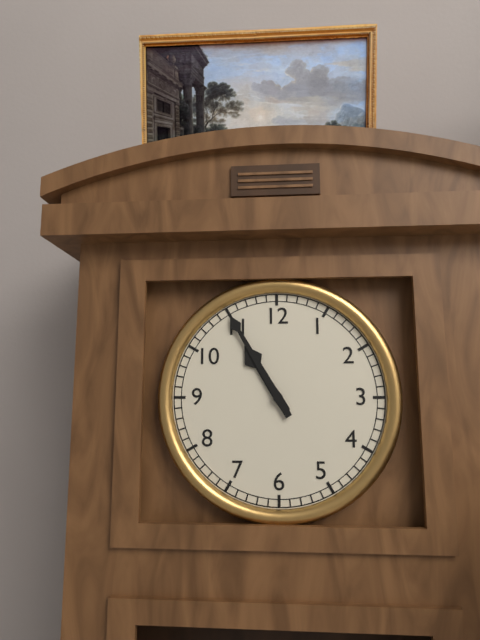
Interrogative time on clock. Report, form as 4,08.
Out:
10,55
